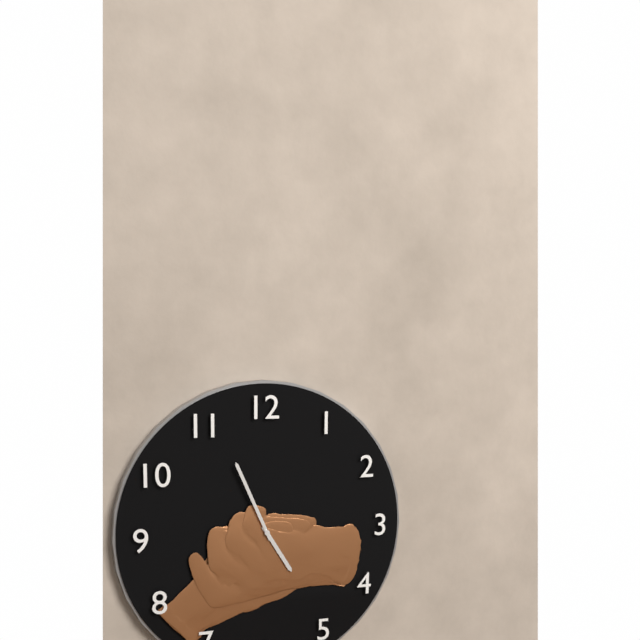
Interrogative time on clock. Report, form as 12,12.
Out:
4,56
